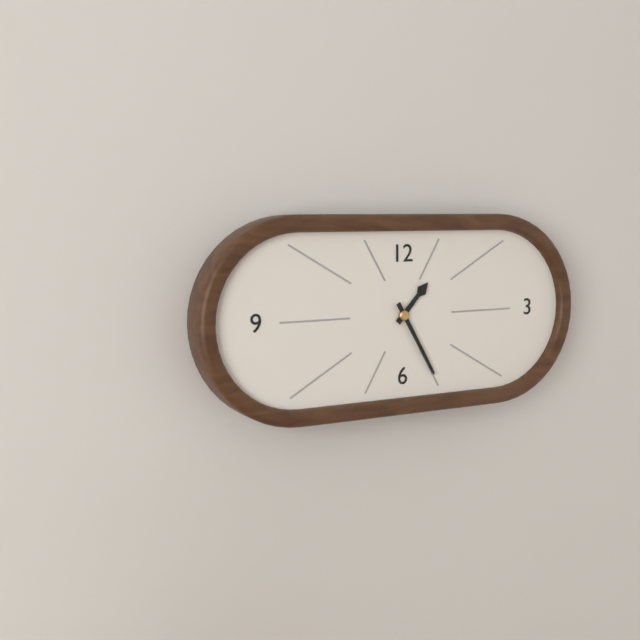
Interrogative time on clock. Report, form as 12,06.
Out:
1,25
